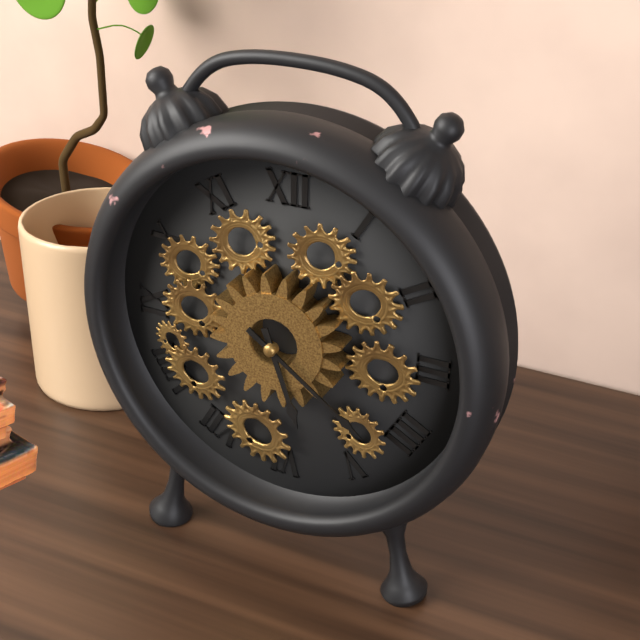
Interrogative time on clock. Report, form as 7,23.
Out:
5,21
